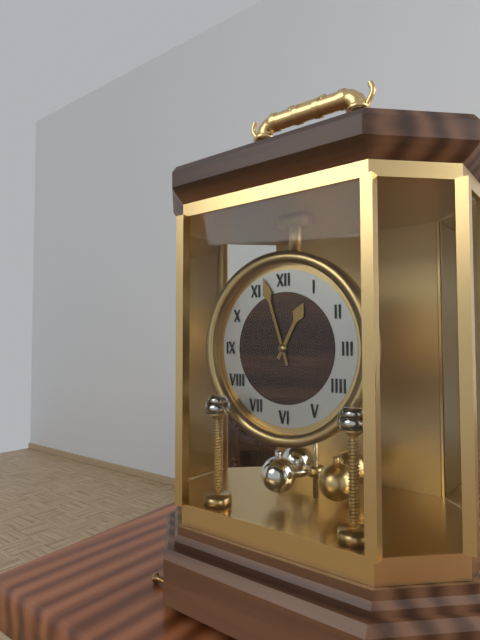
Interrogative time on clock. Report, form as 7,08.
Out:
12,57
